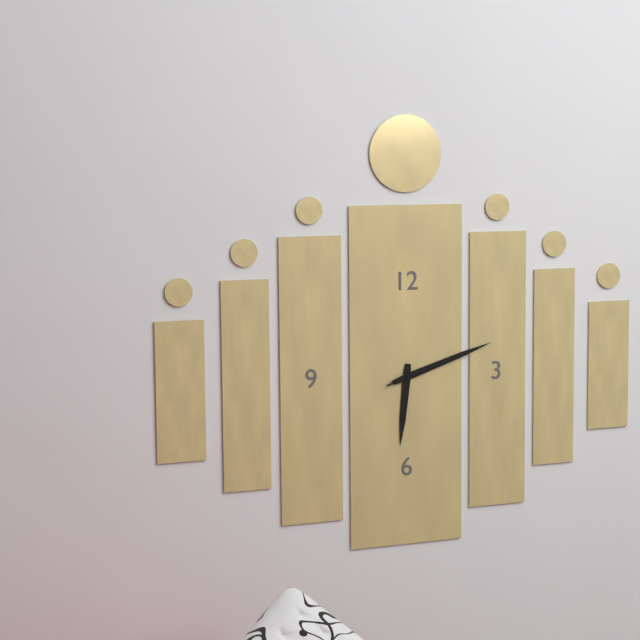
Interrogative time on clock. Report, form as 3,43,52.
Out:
6,12,12
